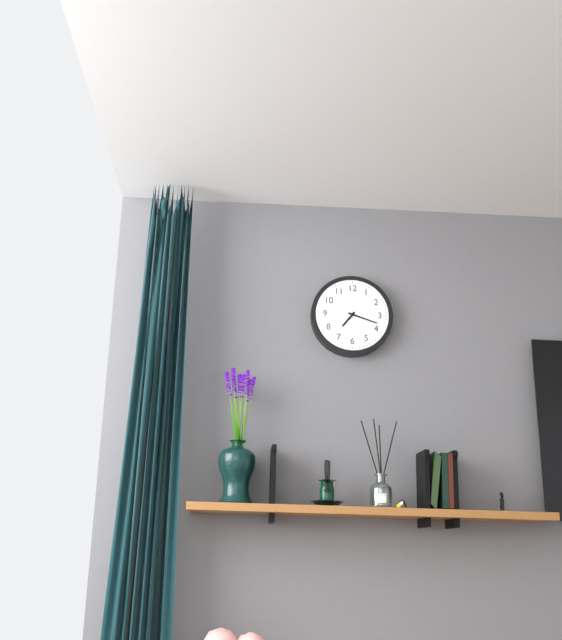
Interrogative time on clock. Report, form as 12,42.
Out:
7,18
